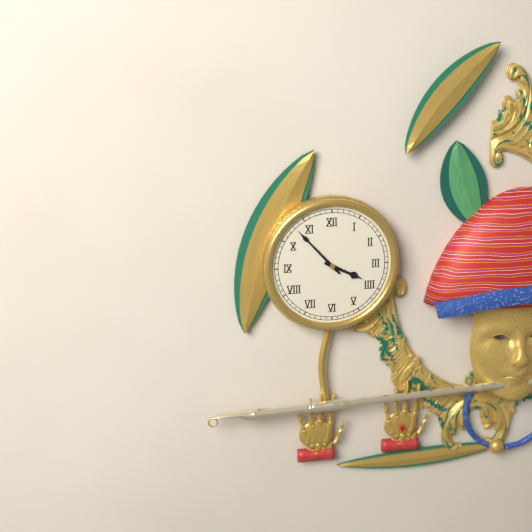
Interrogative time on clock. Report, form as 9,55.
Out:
3,53
